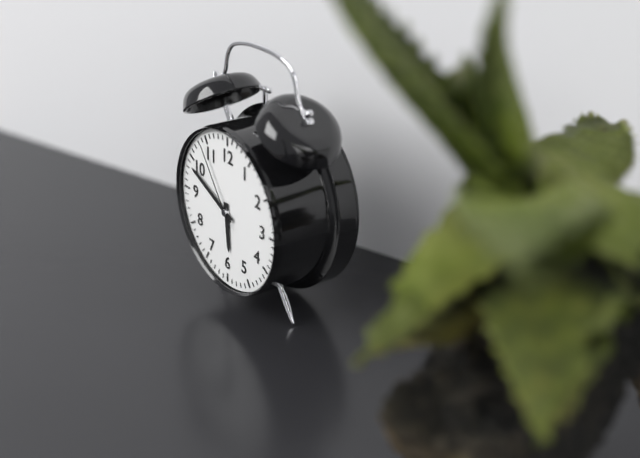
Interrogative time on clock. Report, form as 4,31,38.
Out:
5,49,54
